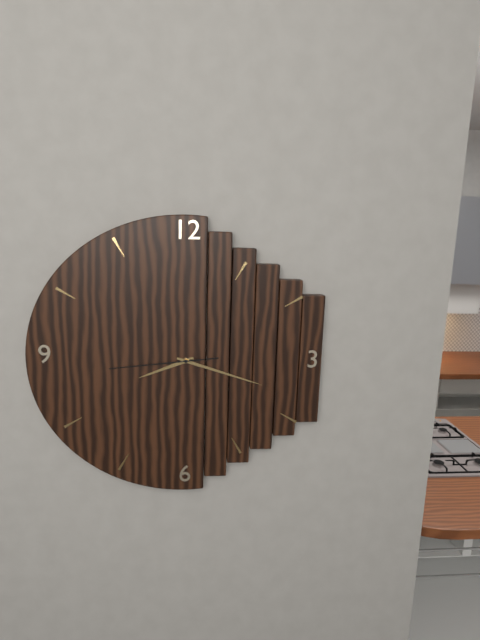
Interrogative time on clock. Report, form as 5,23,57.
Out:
8,18,44
